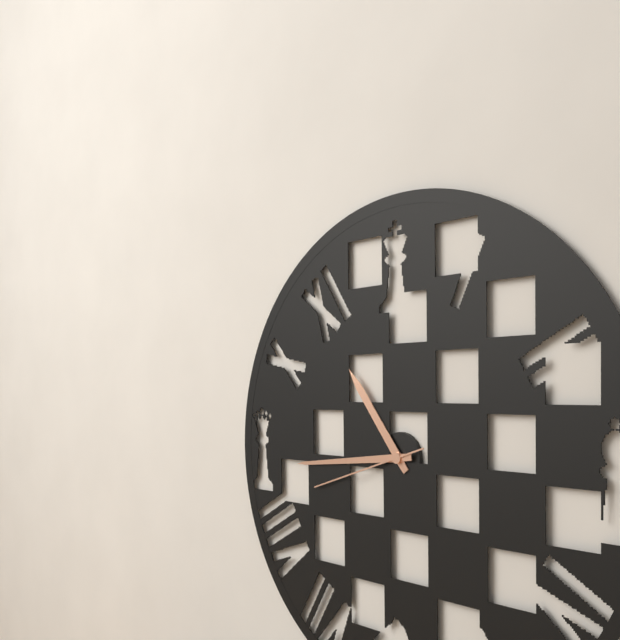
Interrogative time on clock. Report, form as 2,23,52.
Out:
10,44,42
